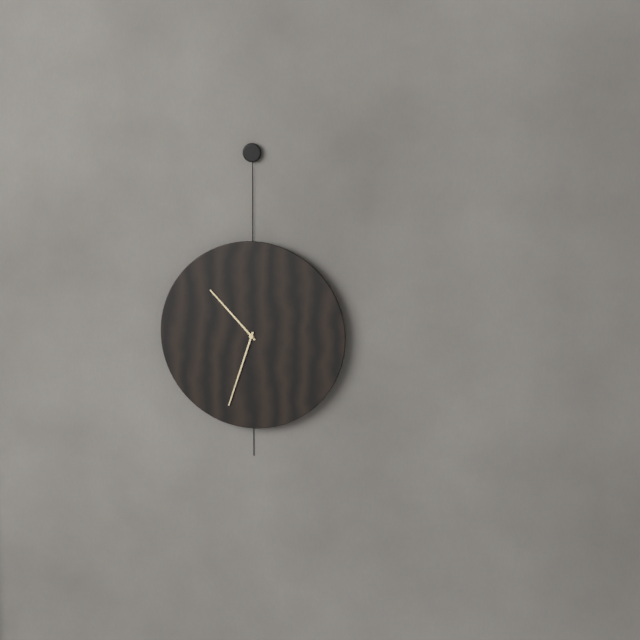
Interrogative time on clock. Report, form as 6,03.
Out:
10,33
